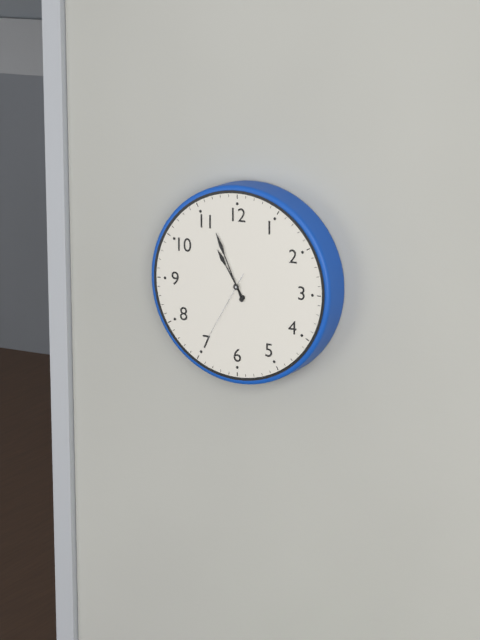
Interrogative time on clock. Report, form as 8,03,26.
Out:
10,56,35
